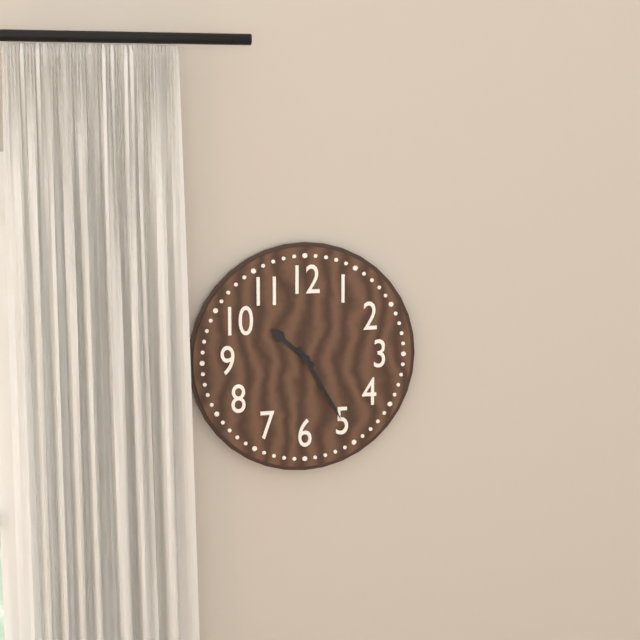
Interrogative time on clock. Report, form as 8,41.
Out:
10,25
